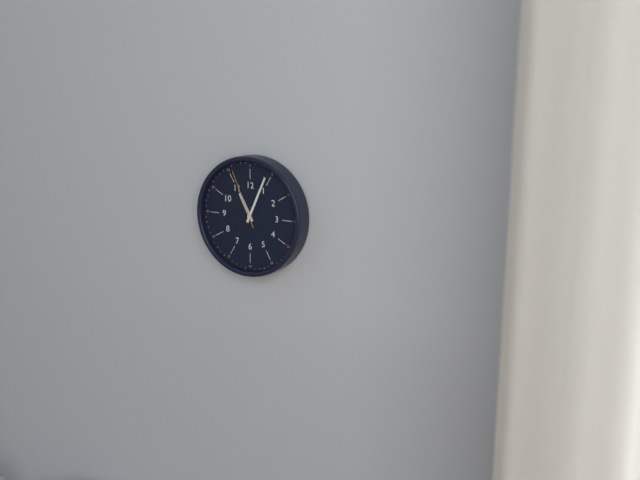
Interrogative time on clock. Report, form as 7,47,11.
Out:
11,04,56
